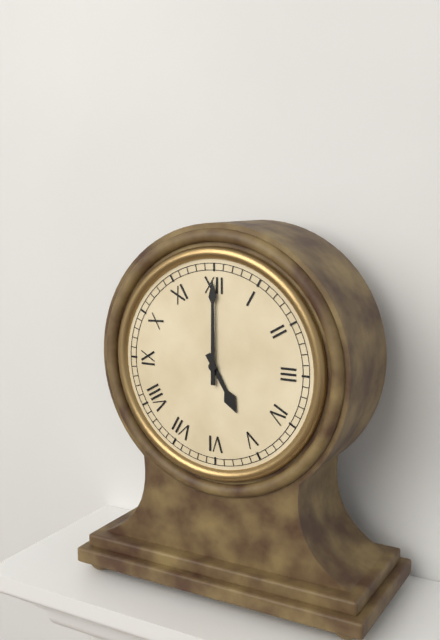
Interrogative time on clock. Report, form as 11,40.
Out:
5,00
